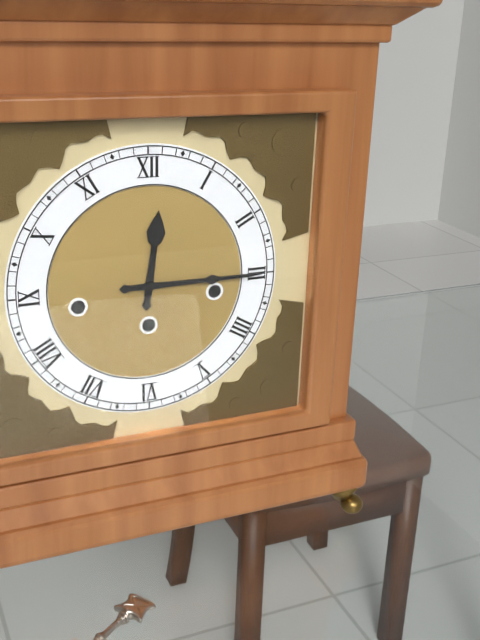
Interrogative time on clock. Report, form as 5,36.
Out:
12,15
